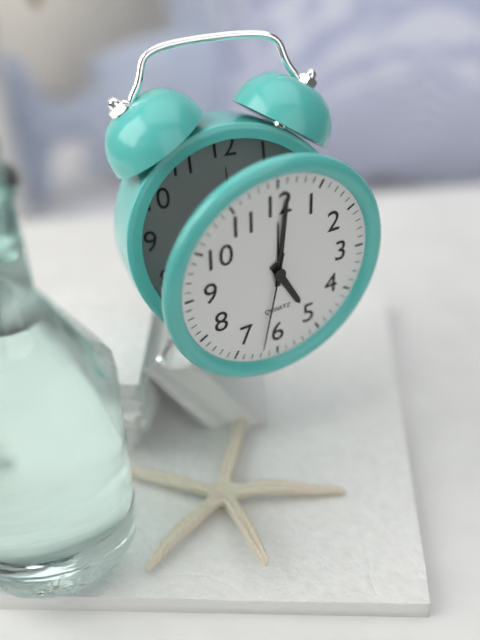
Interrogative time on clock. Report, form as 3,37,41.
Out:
5,01,32
